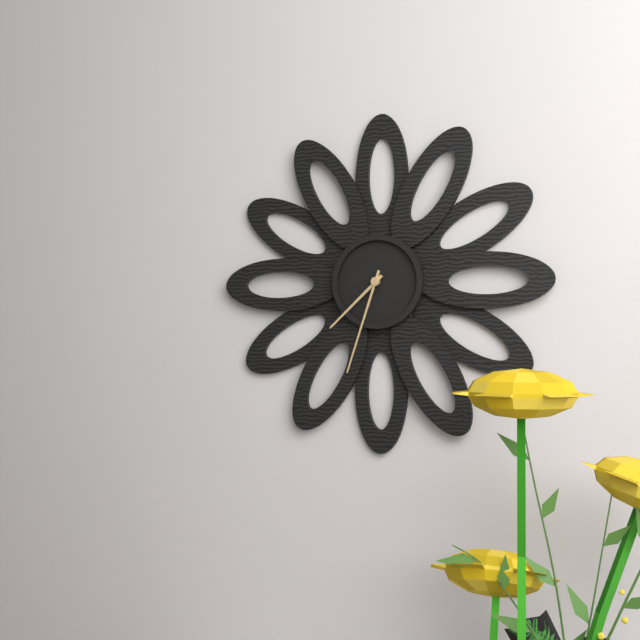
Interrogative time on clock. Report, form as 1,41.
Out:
7,33
